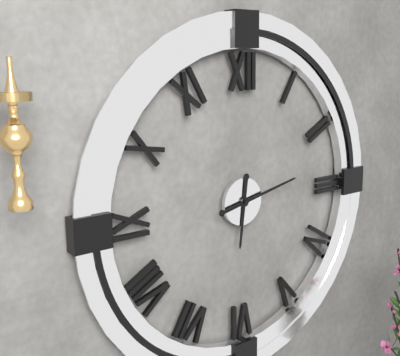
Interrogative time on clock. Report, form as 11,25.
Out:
6,13
